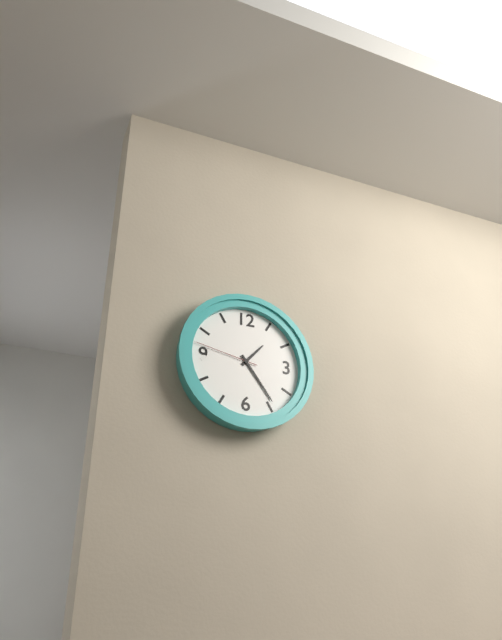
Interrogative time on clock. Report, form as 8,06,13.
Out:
1,24,47
